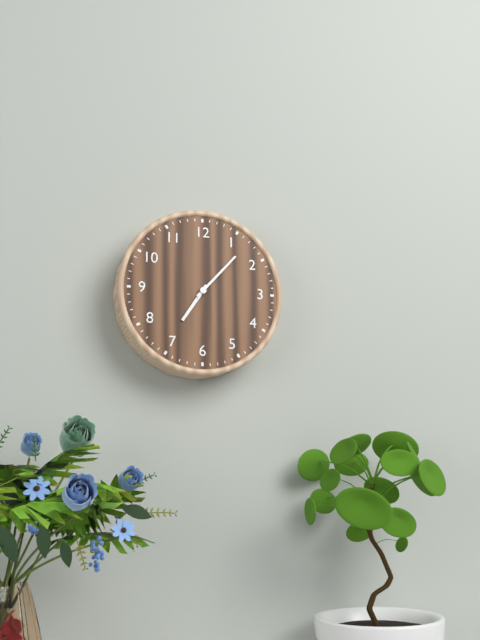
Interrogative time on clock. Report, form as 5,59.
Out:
7,07
